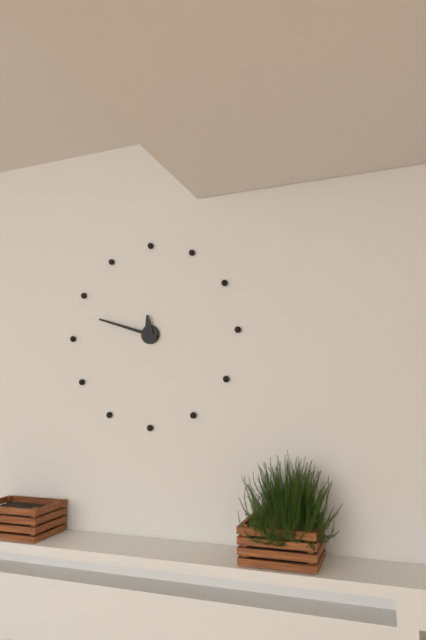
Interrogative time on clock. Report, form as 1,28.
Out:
11,48
